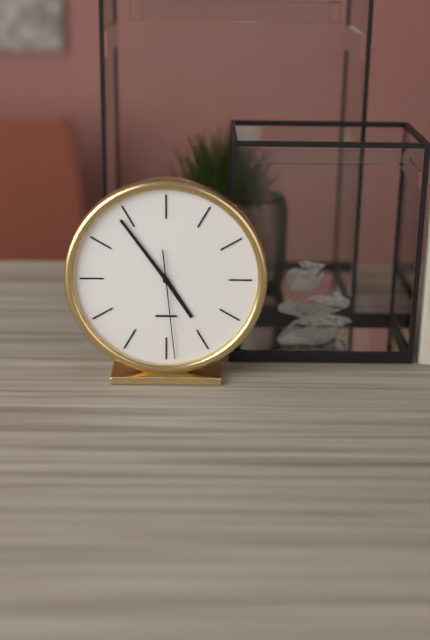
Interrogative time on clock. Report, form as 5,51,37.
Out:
4,54,29
